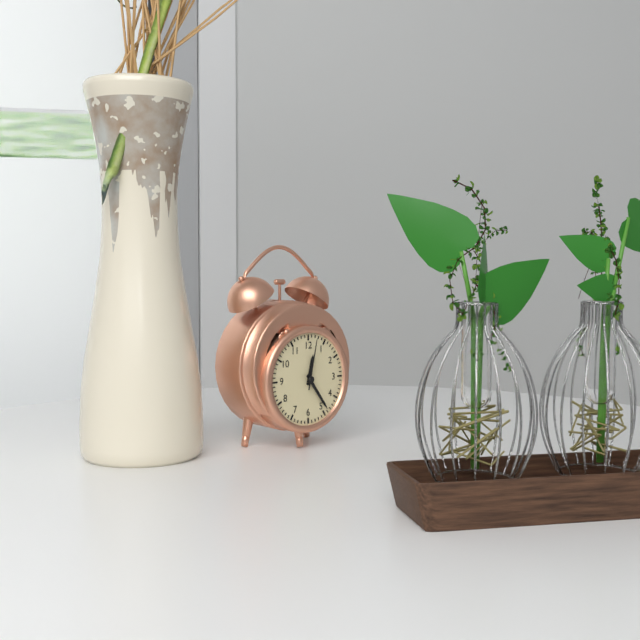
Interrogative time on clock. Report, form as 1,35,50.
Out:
12,24,02
